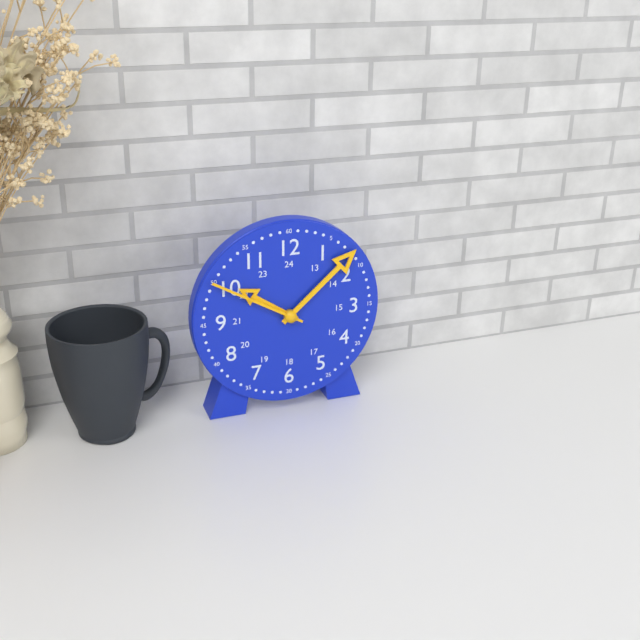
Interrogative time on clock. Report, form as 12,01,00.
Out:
10,08,50
